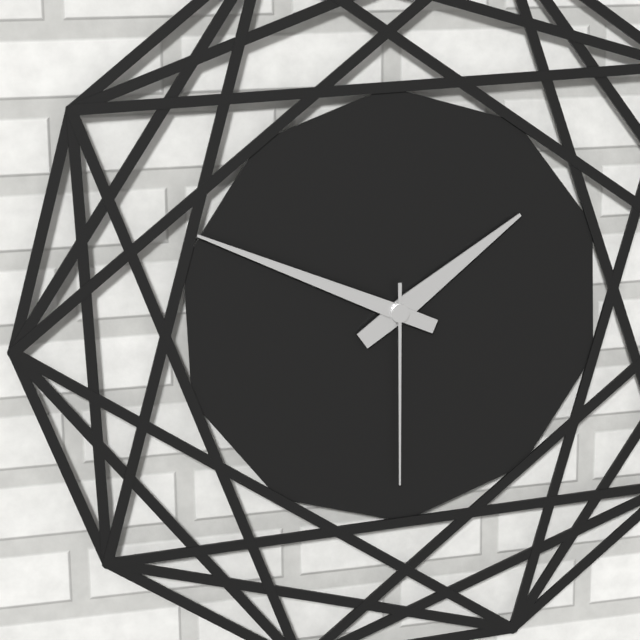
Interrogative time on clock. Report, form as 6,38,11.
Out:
1,49,30
